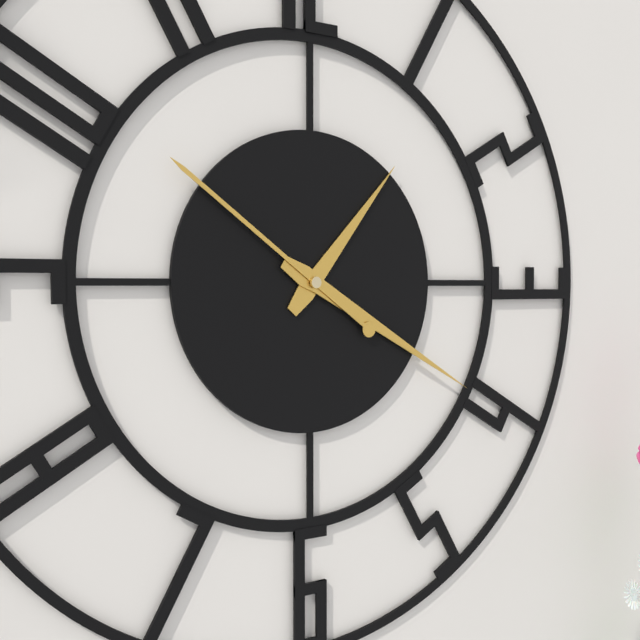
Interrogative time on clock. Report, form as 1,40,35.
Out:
1,20,51
